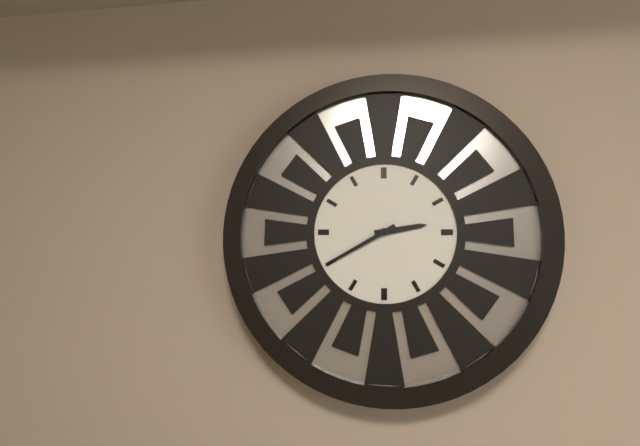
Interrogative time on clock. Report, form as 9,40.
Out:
2,40
